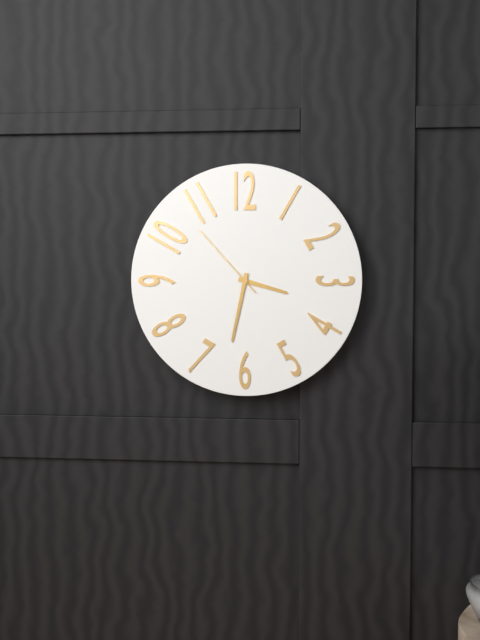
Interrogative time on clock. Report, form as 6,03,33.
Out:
3,32,53
